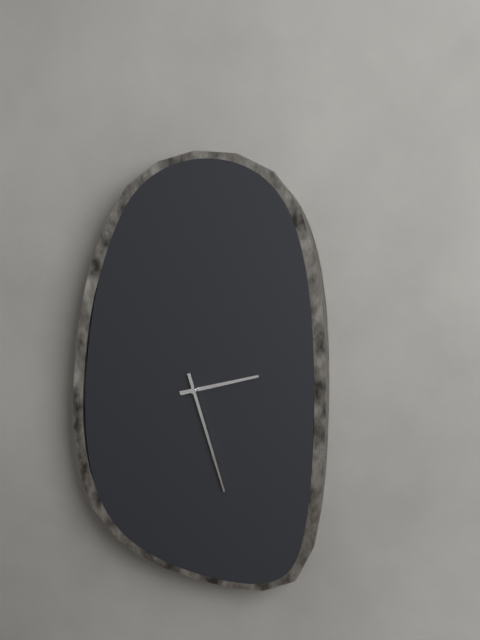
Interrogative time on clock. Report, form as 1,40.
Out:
2,27
